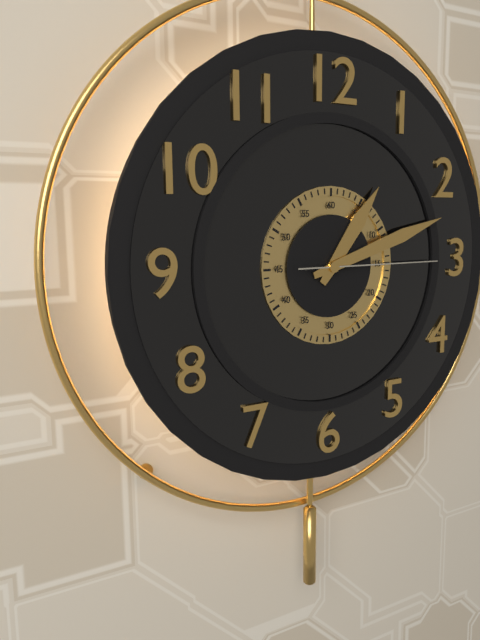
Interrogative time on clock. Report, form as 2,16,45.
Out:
1,12,15
